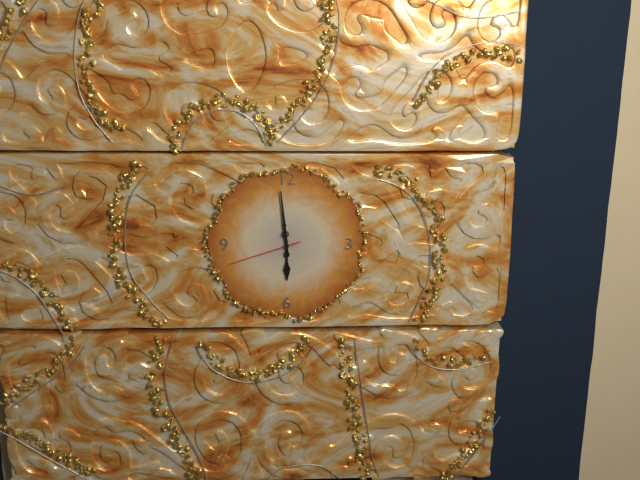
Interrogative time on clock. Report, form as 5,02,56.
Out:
5,59,42
